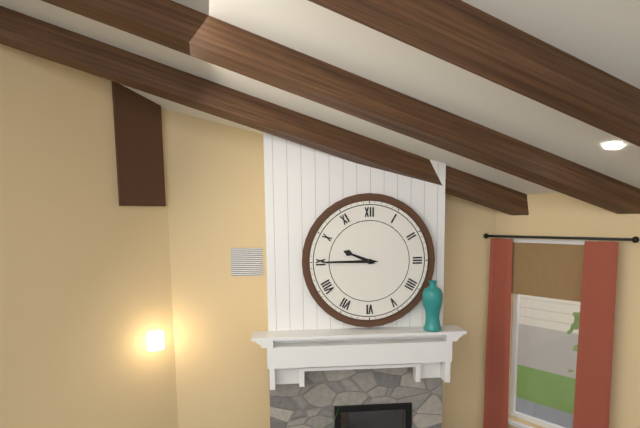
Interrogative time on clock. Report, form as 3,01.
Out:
9,45
